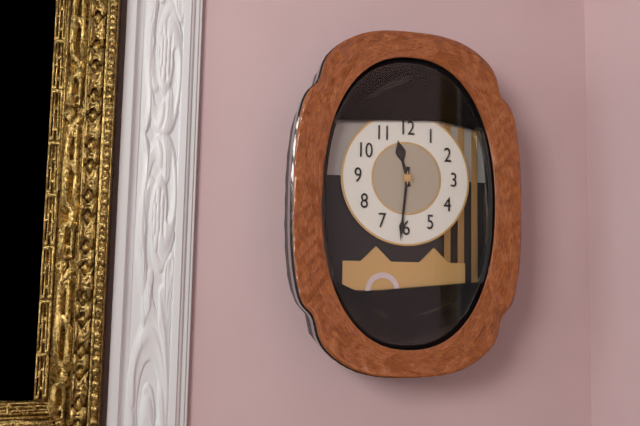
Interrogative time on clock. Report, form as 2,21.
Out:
11,31
